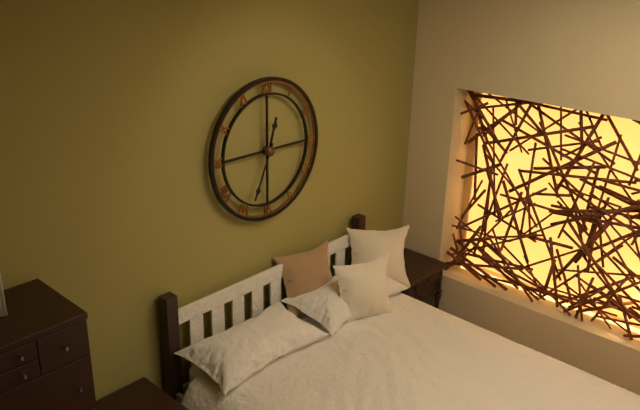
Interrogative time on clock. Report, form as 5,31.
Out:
12,34
